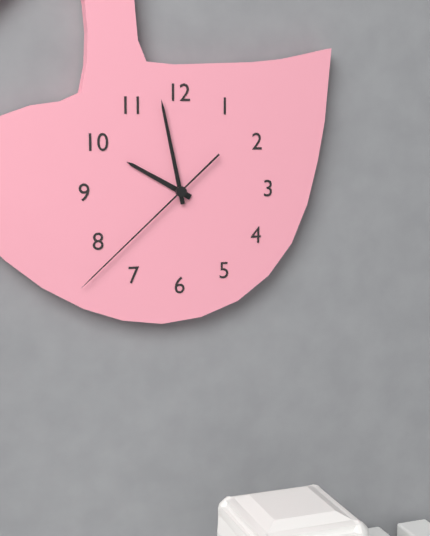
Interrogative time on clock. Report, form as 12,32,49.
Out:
9,58,38
